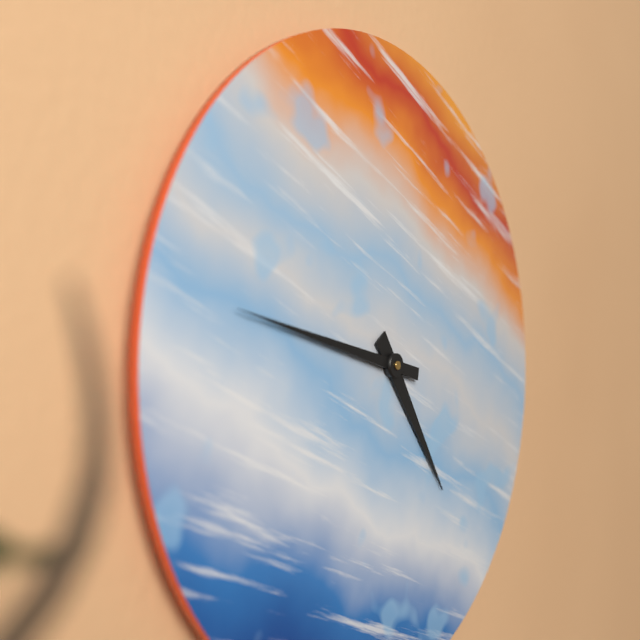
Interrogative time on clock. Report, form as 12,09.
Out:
4,47
